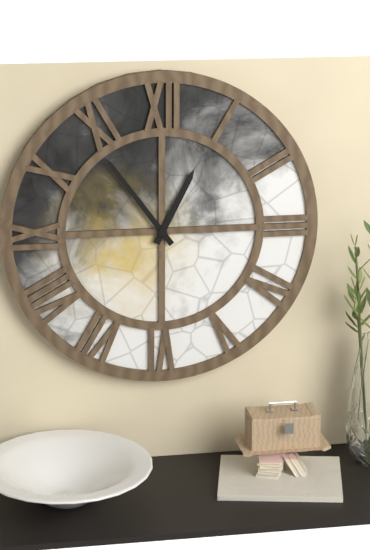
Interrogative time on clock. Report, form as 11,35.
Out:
12,54
